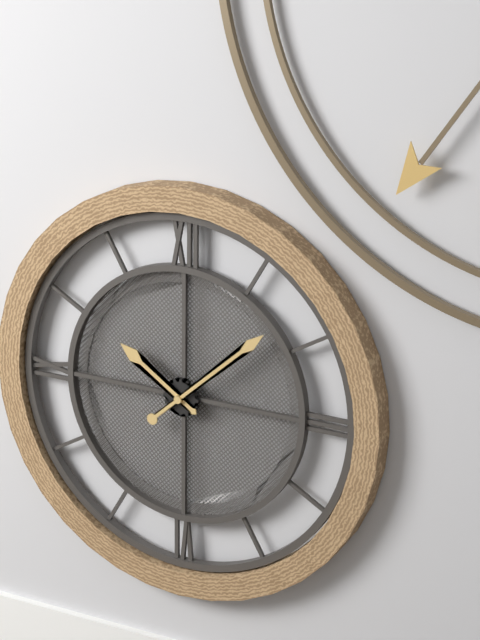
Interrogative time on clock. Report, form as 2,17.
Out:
10,08
